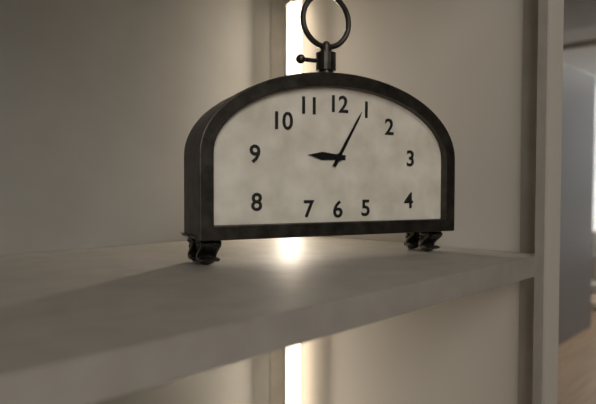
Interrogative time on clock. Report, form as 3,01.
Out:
9,05
